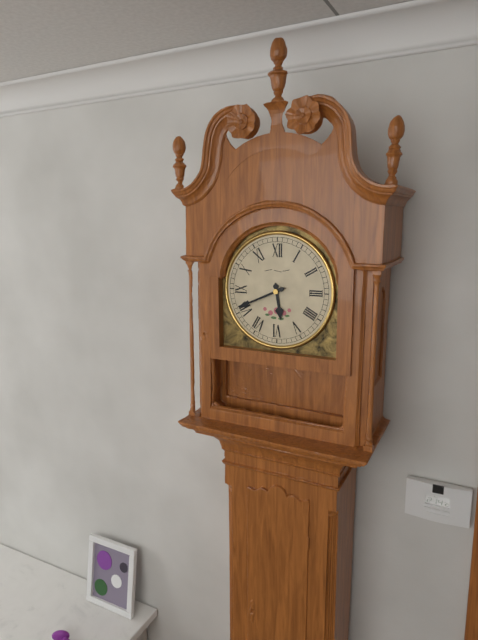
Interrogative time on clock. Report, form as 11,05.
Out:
5,41
